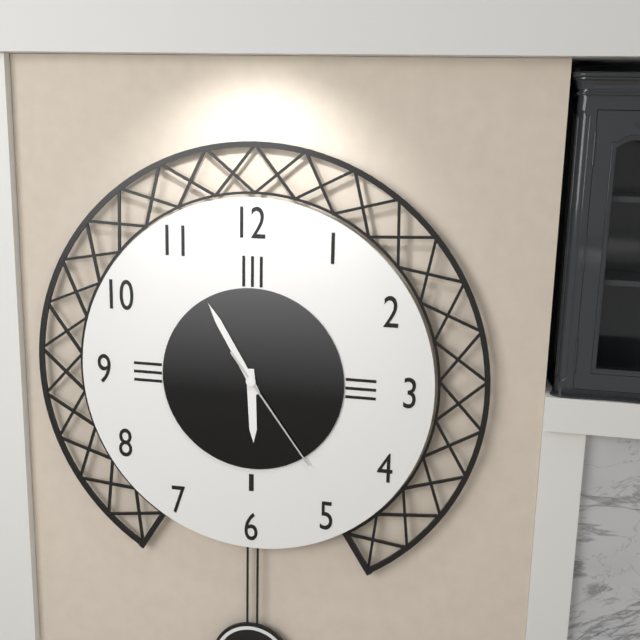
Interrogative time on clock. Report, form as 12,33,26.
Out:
5,55,24
